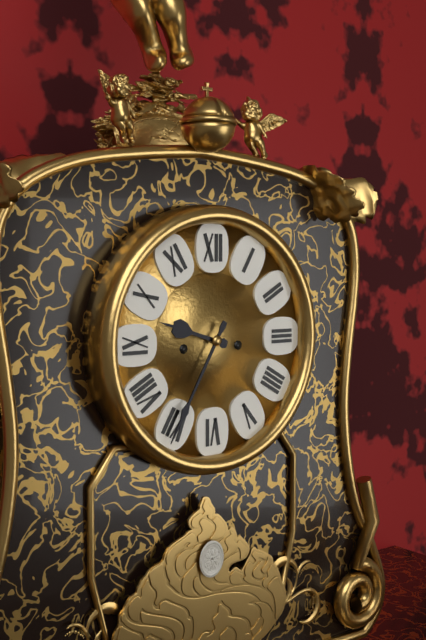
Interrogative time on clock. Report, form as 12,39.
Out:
9,35
